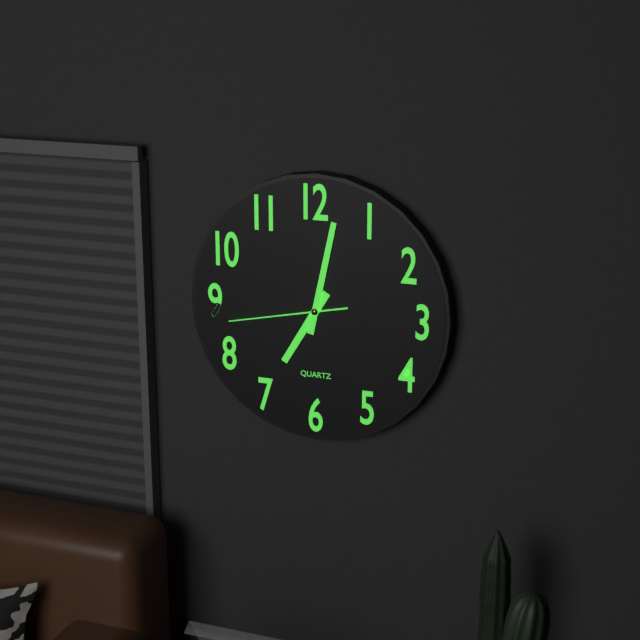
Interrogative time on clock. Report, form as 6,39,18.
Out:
7,02,43
